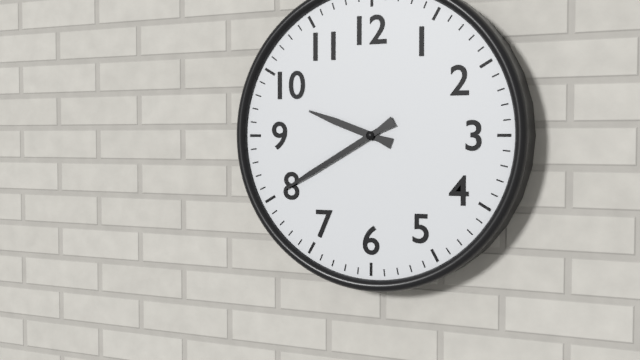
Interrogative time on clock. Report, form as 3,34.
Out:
9,40
